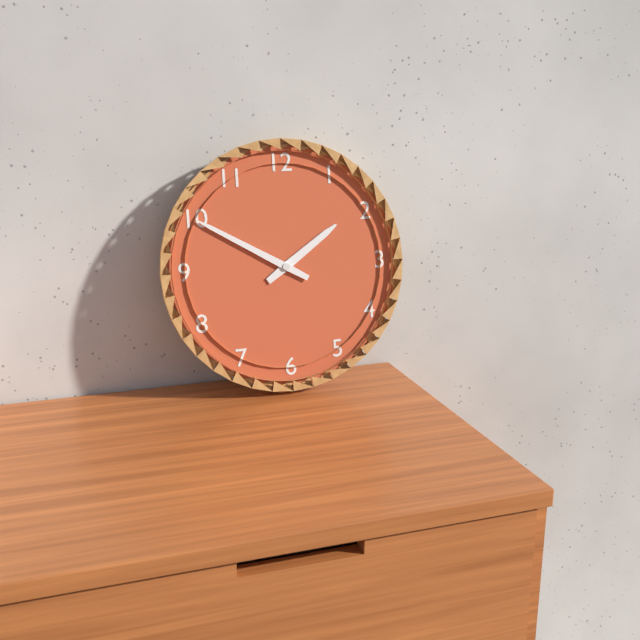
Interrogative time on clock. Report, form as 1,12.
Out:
1,50
